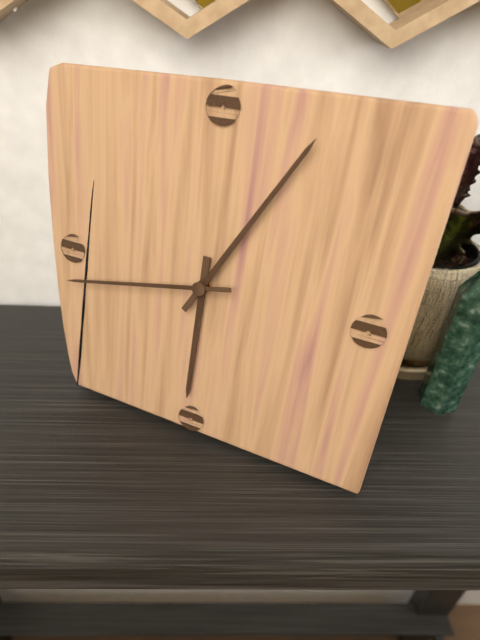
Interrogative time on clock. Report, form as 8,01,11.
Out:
6,05,43
